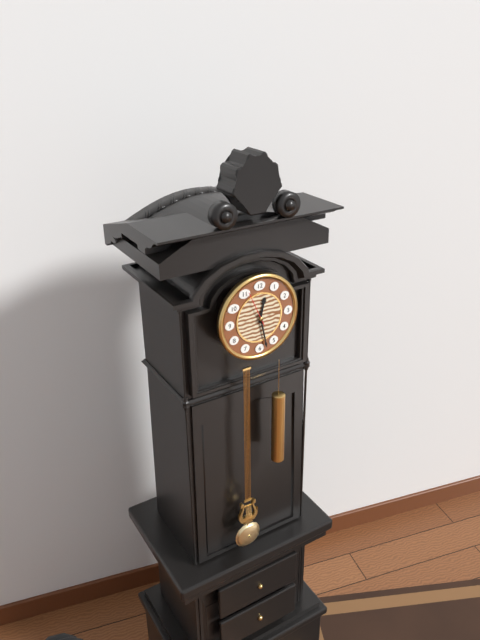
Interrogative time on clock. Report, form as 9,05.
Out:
12,28
